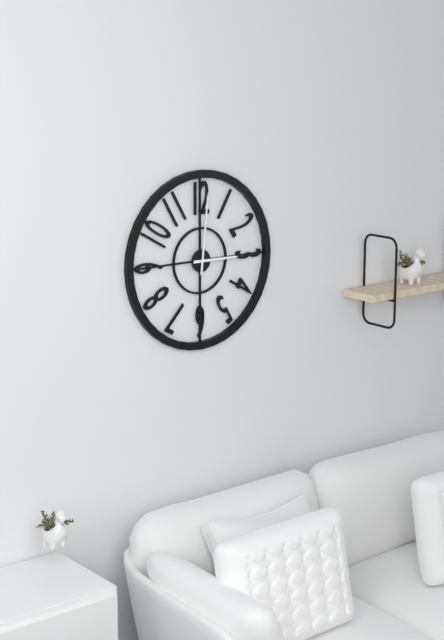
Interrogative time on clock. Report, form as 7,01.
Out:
3,01
